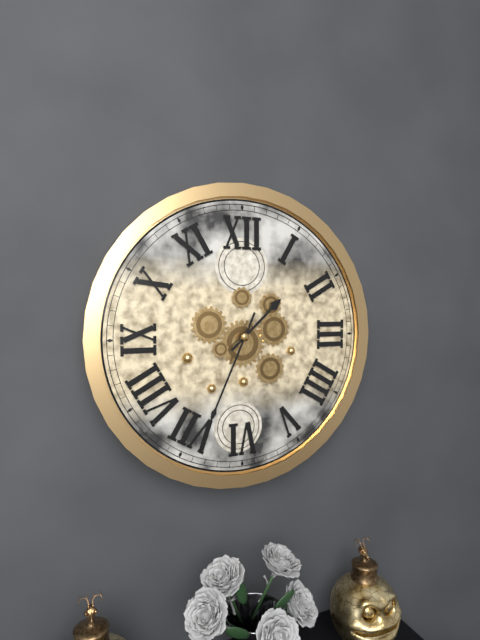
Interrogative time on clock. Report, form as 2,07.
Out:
1,34
